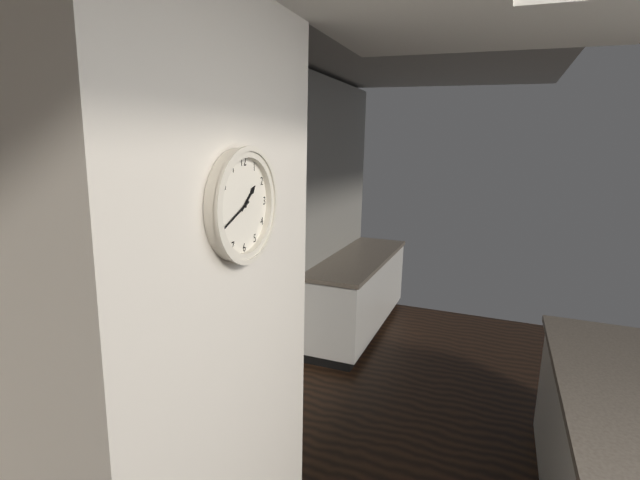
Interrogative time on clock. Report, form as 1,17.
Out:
1,41
